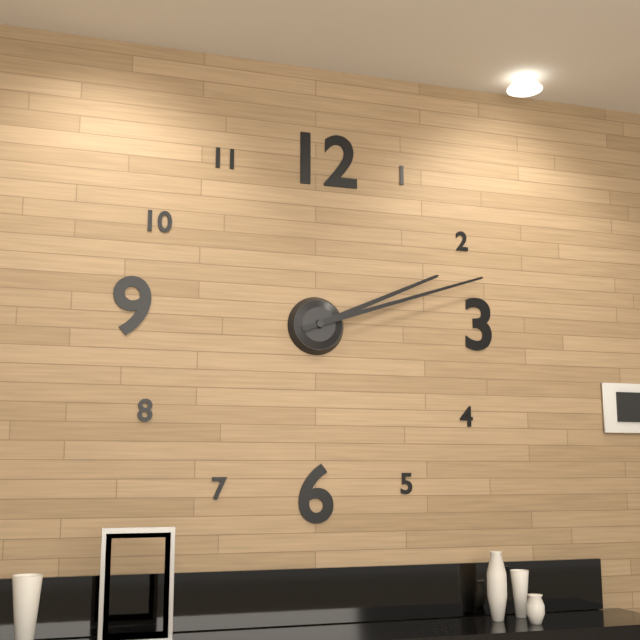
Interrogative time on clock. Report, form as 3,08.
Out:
2,12
